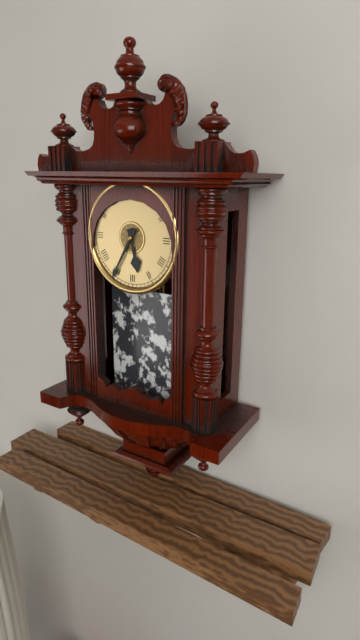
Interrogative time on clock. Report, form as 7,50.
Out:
5,35
